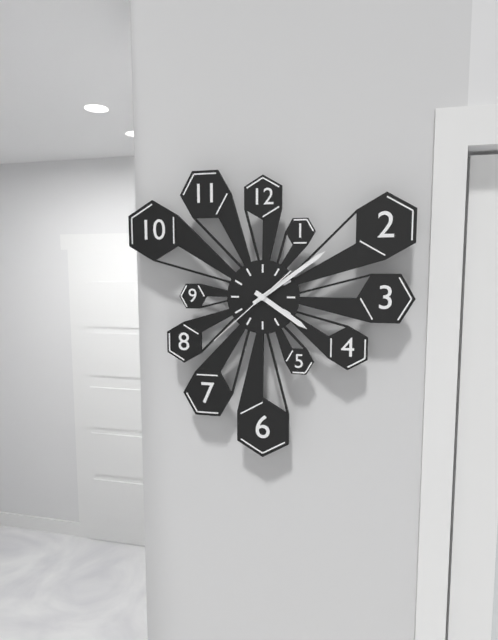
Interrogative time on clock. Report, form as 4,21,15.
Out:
4,09,38
